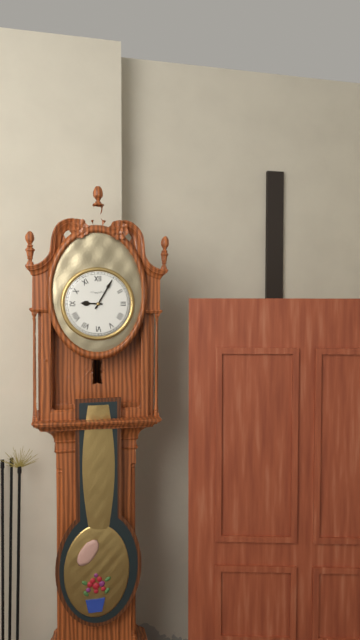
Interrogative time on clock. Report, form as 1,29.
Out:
9,05
